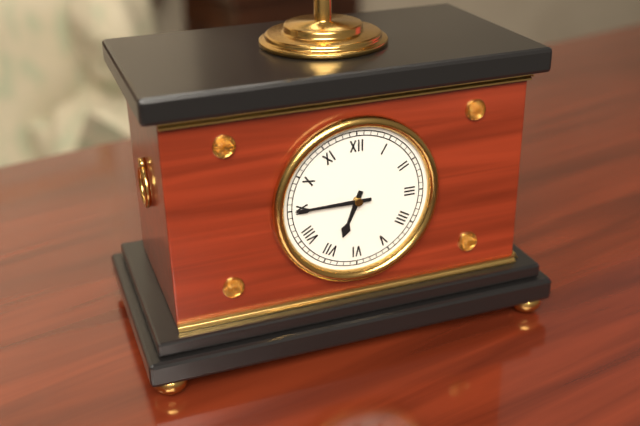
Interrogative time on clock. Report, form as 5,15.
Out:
6,45
